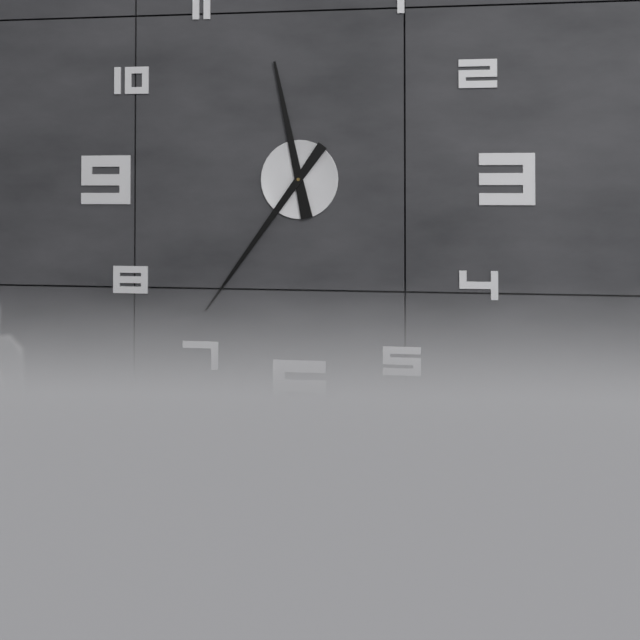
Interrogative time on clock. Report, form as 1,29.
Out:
11,36
